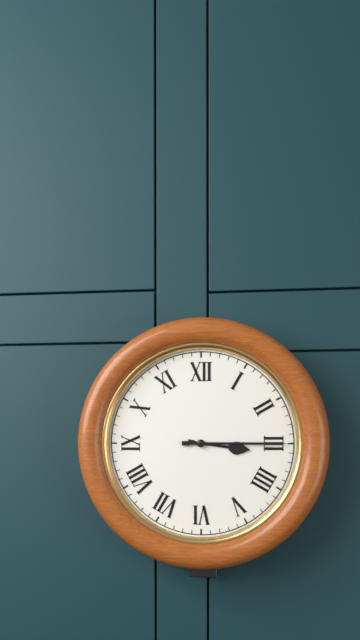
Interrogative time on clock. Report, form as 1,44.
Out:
3,15
